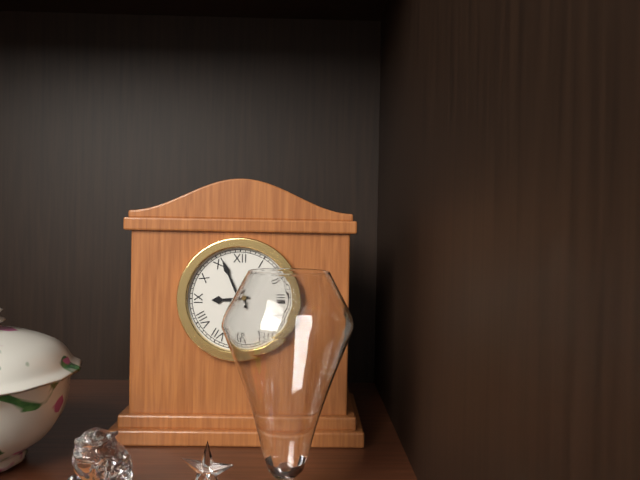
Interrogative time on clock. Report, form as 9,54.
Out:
8,56
